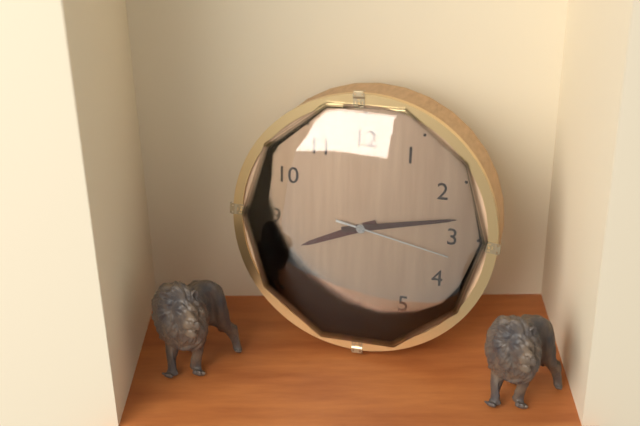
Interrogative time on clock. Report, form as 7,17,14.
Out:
8,13,17
